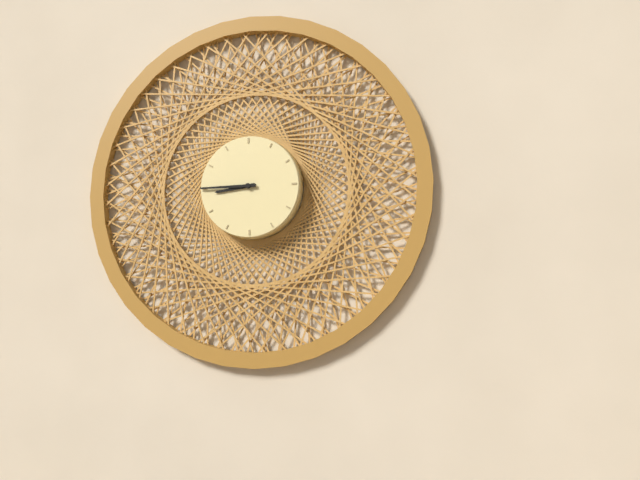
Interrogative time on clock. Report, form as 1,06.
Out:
8,45
